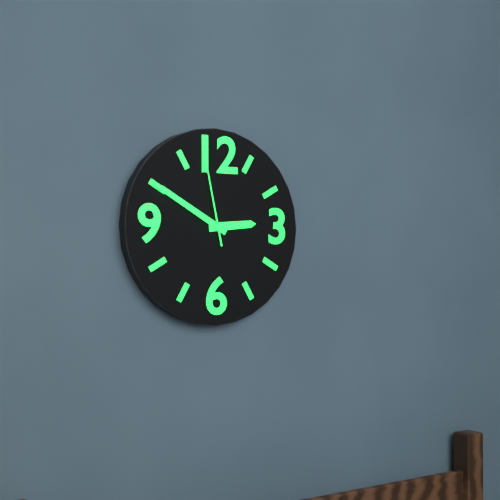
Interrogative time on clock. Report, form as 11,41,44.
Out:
2,50,58
